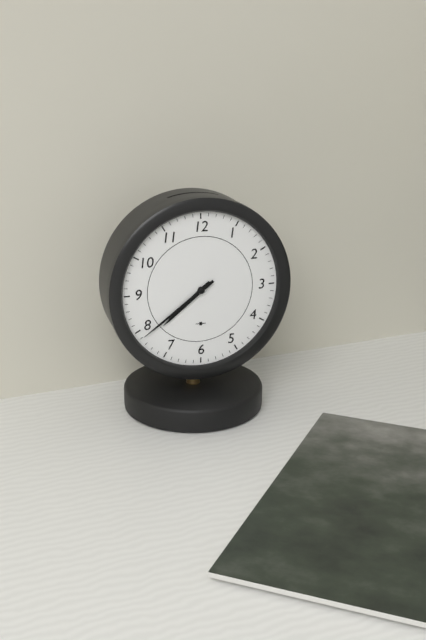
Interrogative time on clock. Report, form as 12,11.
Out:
7,39
